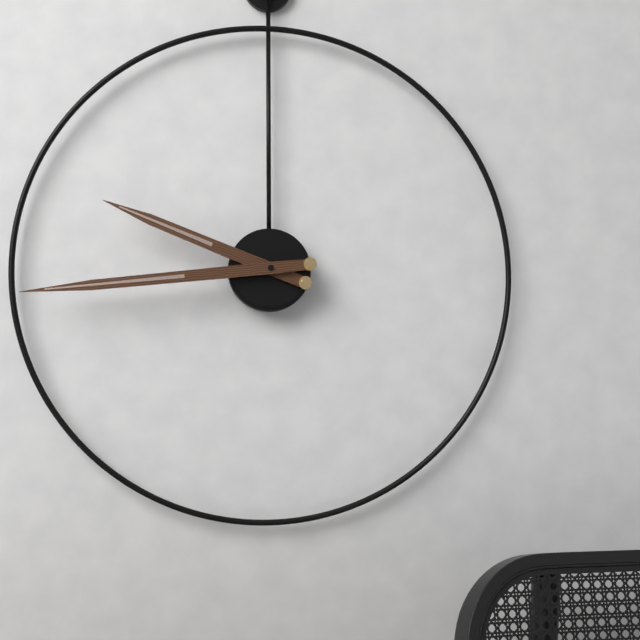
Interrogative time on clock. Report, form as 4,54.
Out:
9,44
